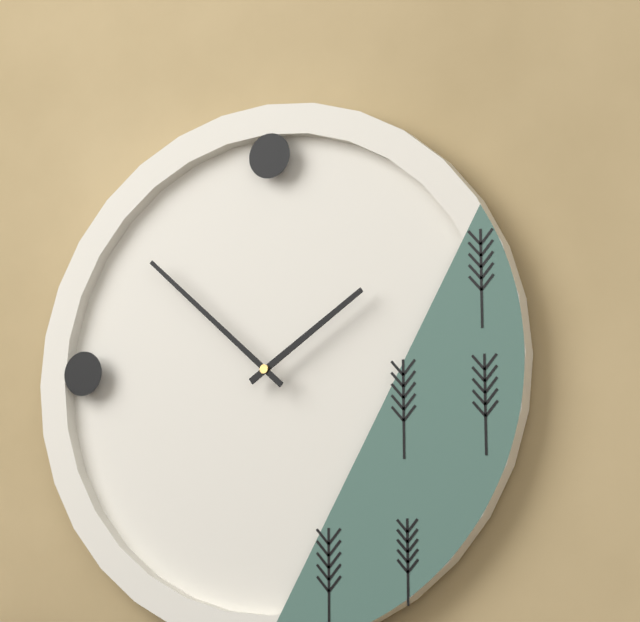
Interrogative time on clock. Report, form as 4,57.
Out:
1,52
